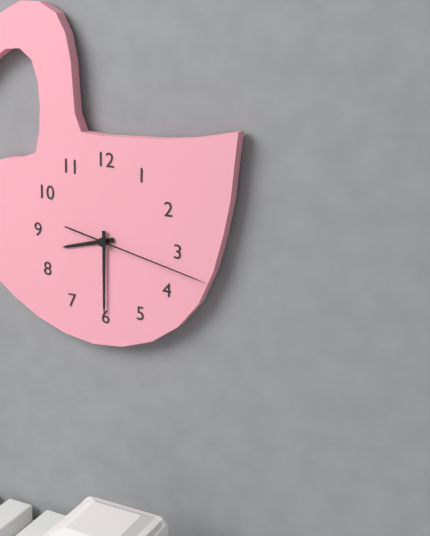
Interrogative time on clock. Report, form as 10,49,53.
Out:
8,30,17
